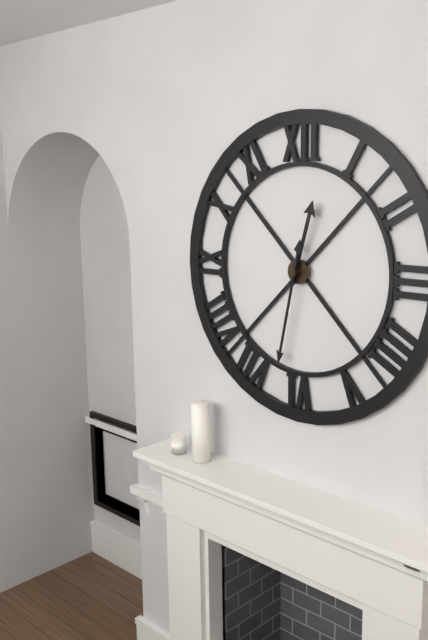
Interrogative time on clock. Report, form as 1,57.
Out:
12,32
